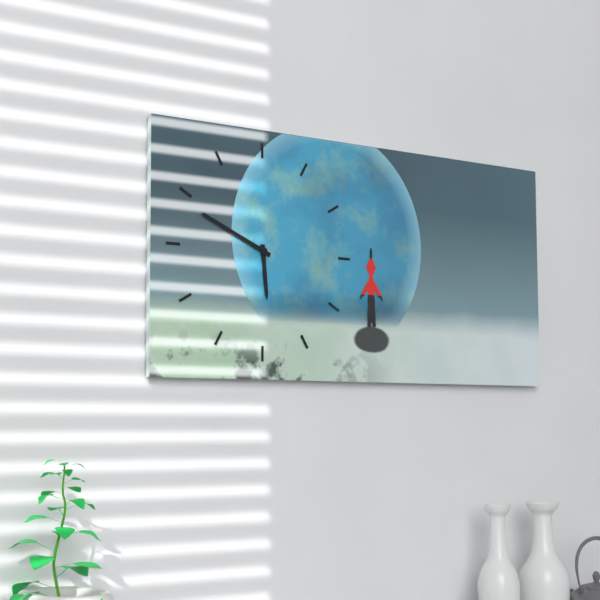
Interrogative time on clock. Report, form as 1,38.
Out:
5,49
